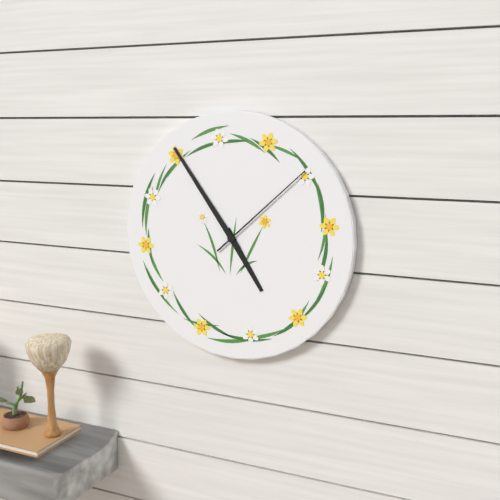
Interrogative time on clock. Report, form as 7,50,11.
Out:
4,54,08
